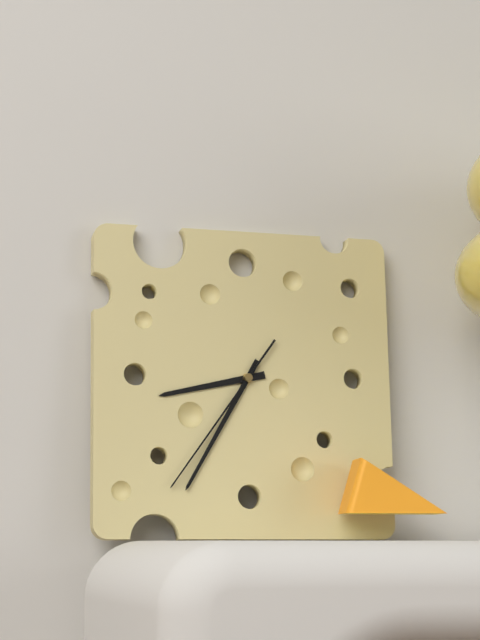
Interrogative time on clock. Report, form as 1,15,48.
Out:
8,35,36
